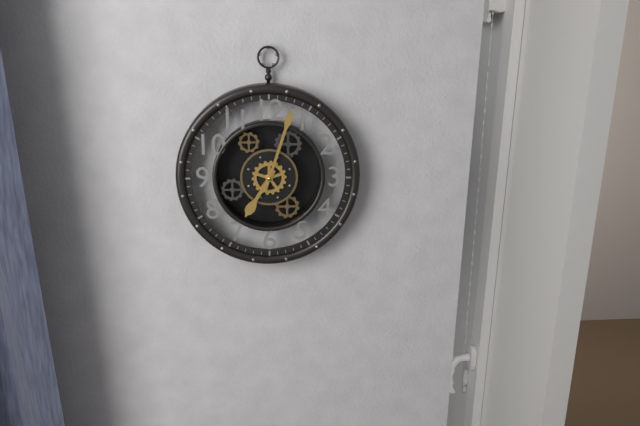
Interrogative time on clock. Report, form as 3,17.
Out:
7,03
